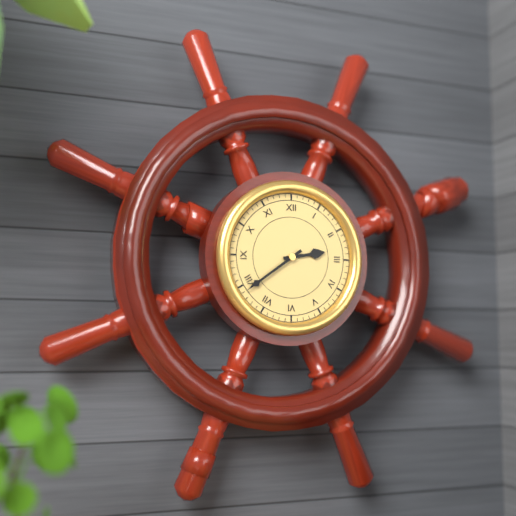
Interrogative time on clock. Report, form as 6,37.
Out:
2,39
